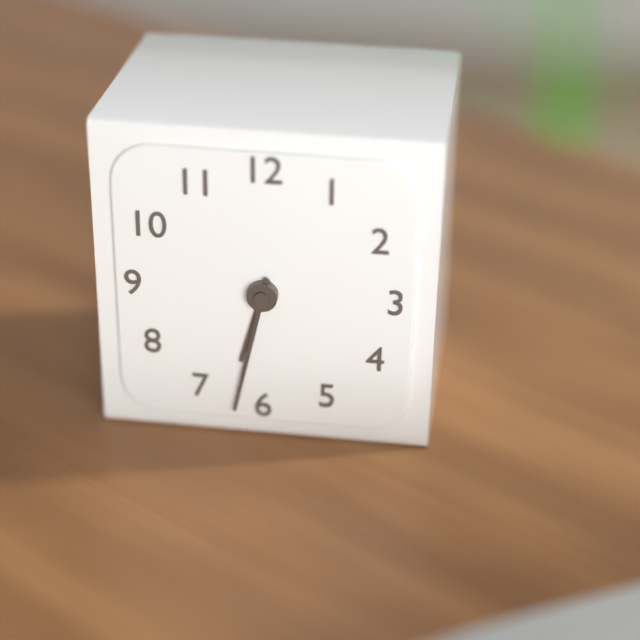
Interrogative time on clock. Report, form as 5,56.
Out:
6,32
